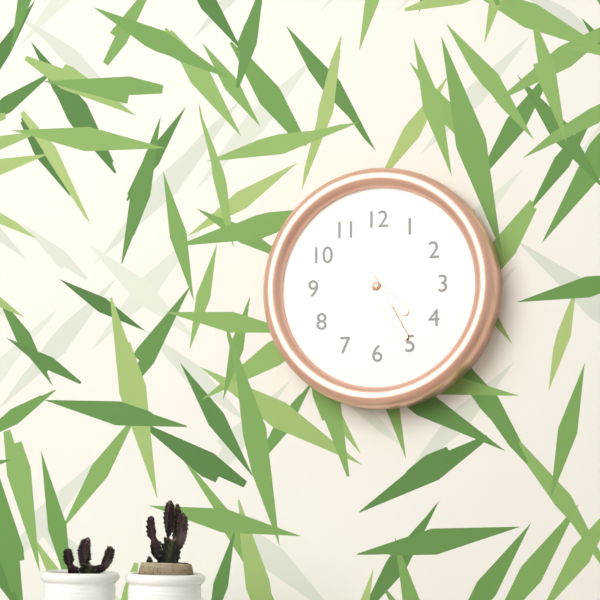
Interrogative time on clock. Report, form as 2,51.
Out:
4,25
